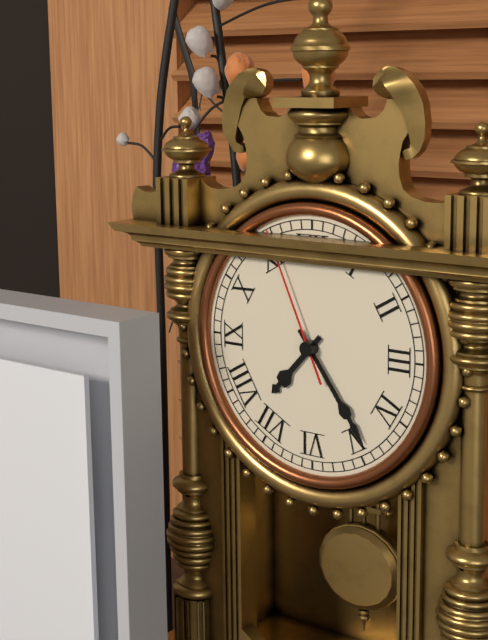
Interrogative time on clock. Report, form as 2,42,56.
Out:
7,24,56
